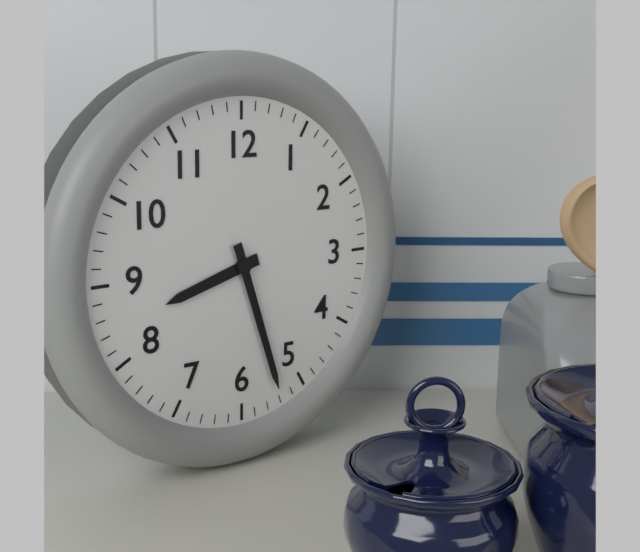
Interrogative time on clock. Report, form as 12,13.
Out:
8,27
